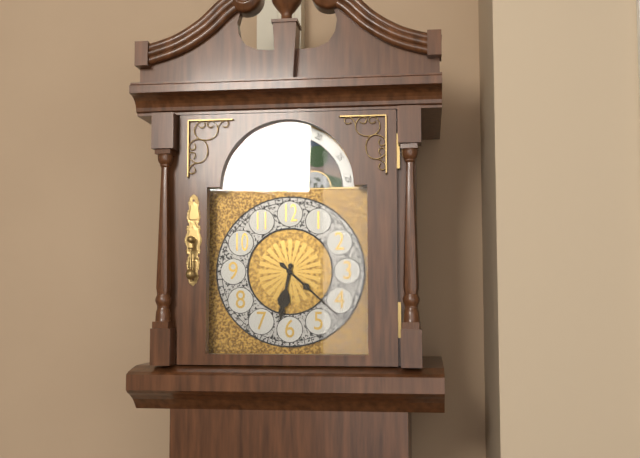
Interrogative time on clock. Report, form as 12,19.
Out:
6,22
